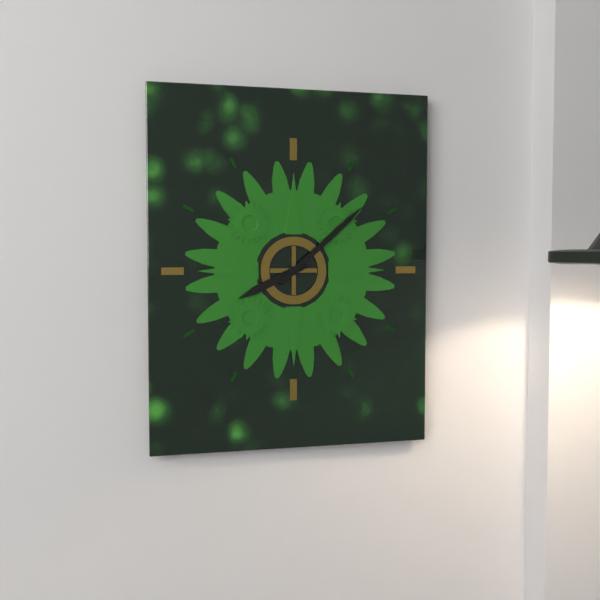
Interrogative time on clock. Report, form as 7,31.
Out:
8,08
